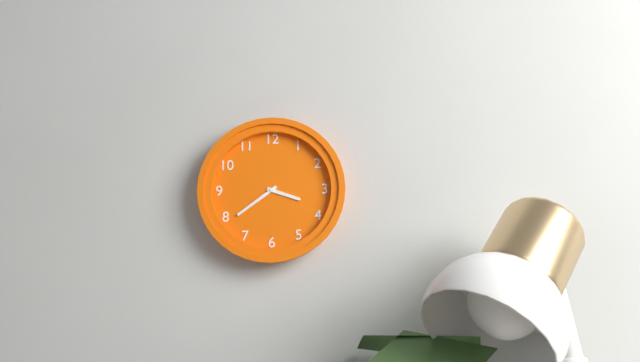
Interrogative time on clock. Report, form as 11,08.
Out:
3,39
